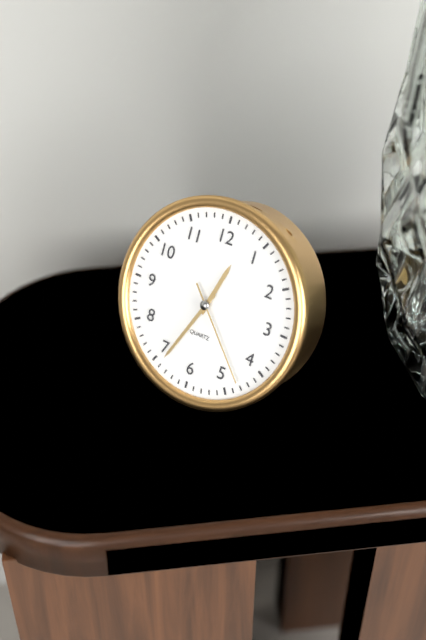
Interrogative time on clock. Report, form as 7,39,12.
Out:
12,34,23
